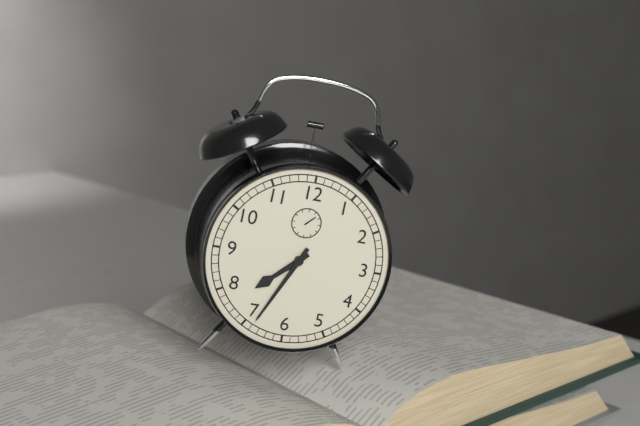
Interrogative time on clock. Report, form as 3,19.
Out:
7,34
